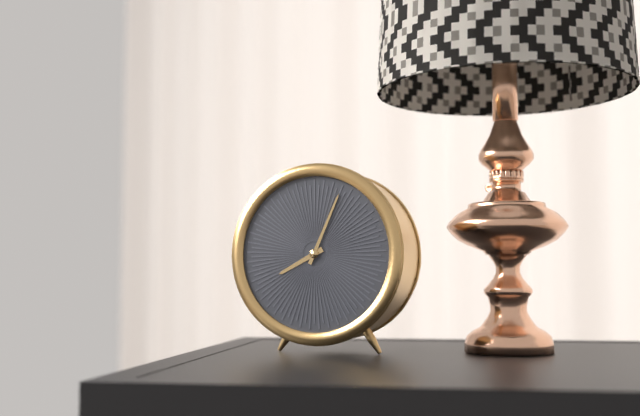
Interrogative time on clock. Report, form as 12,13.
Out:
8,04
